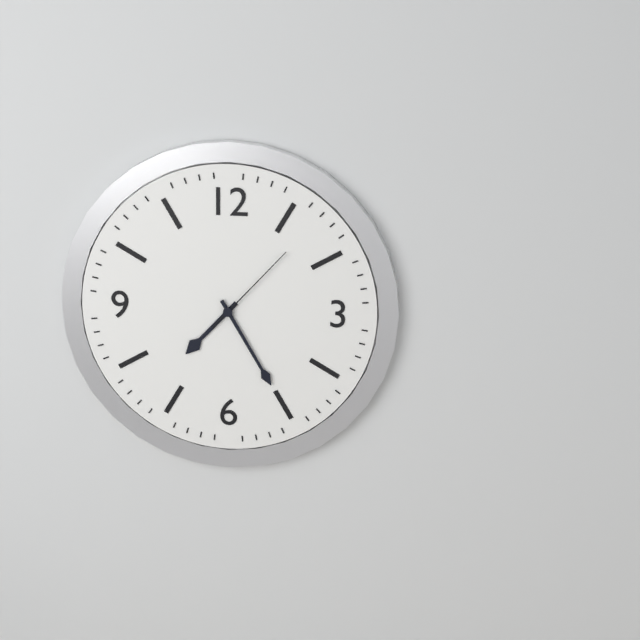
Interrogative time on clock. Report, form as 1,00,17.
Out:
7,25,07
